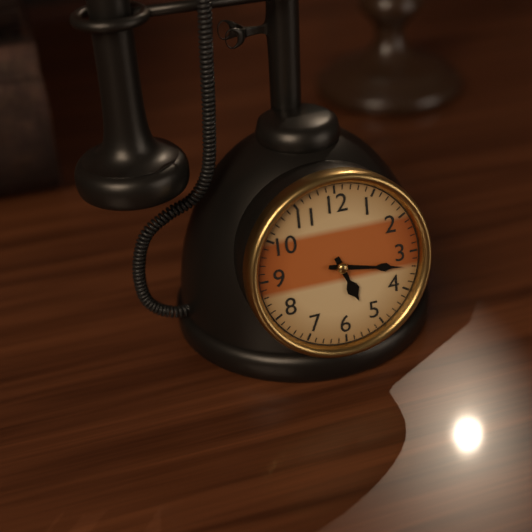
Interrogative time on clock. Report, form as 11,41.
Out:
5,17
